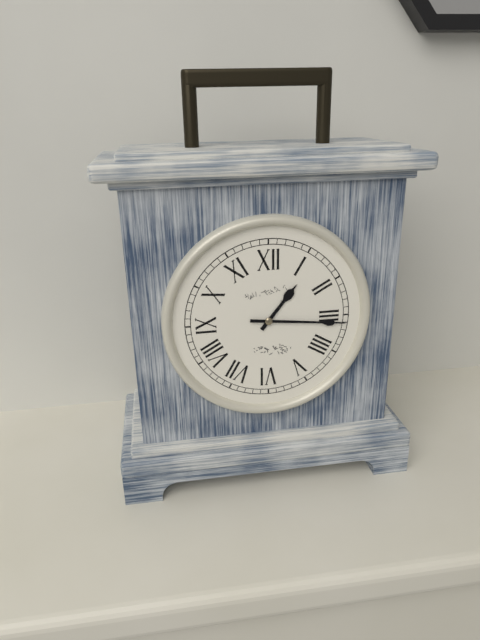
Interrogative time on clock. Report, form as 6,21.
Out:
1,16
